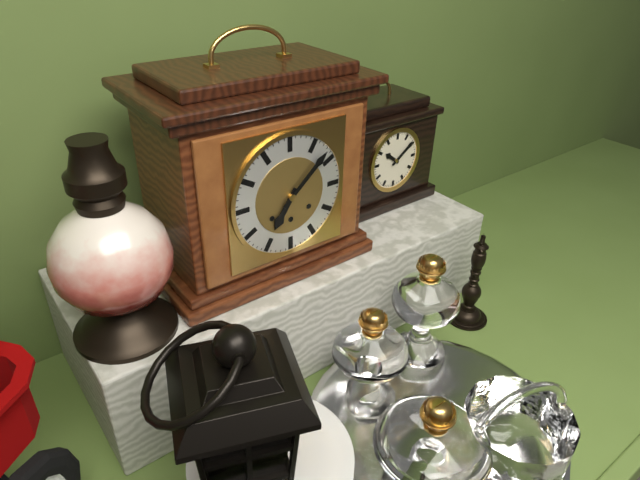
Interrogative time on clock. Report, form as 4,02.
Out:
7,08
